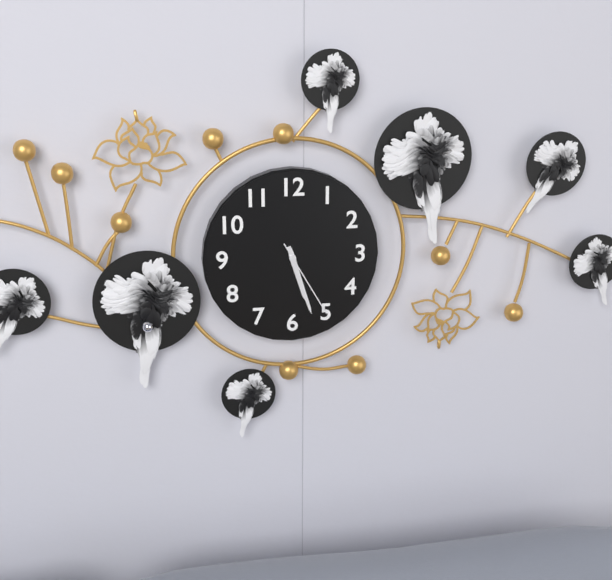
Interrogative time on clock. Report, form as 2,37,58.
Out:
5,27,25
